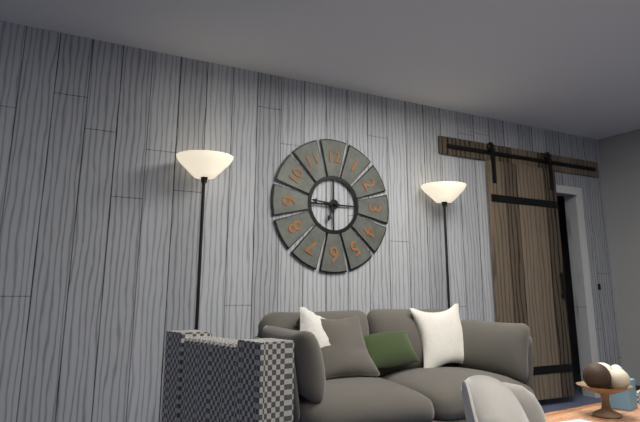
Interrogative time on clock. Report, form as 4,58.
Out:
6,46
